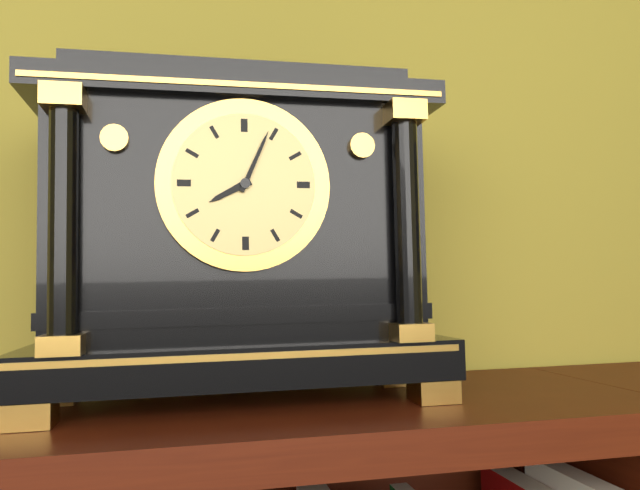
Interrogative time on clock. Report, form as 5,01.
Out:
8,04
